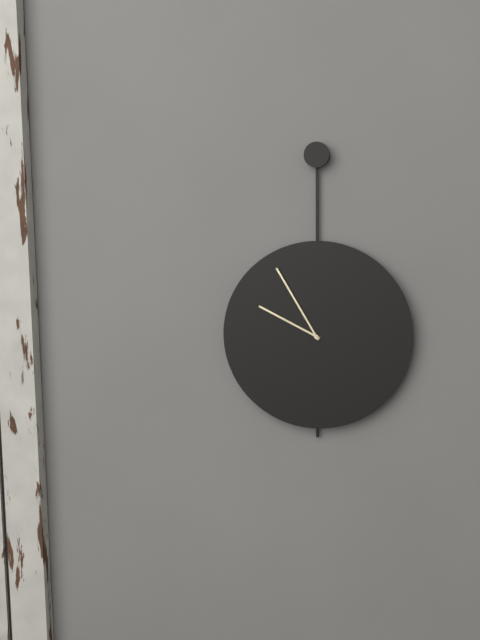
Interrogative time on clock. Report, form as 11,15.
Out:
9,55
